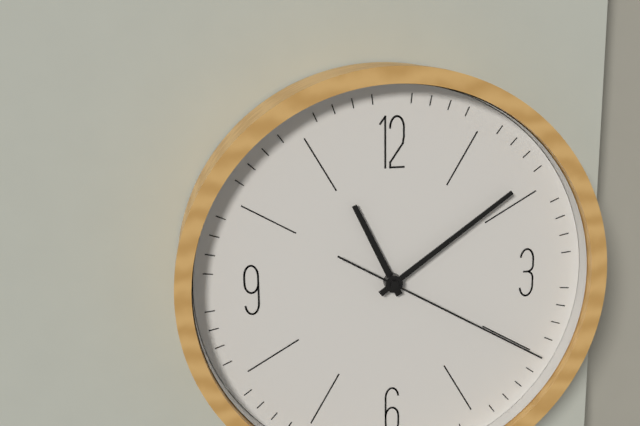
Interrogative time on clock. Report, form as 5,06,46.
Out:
11,09,20
